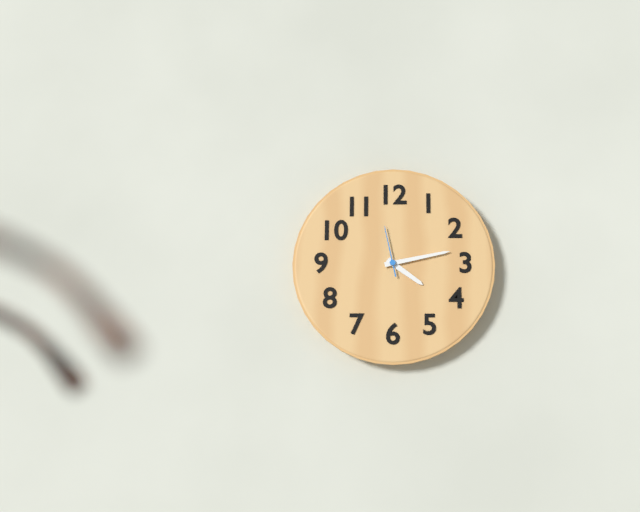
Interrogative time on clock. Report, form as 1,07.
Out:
4,13
